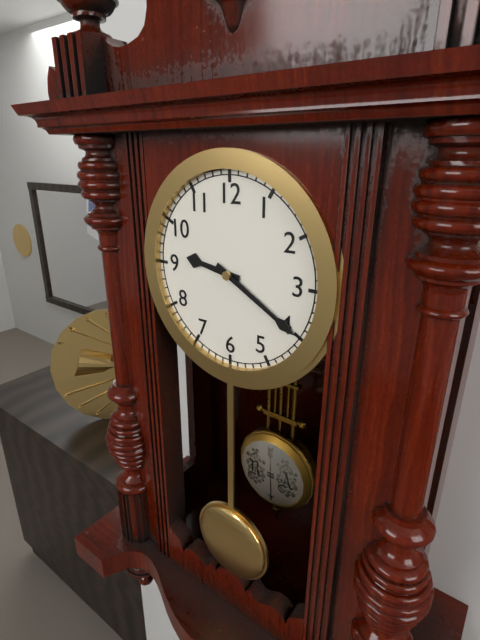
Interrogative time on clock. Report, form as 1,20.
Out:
9,20
